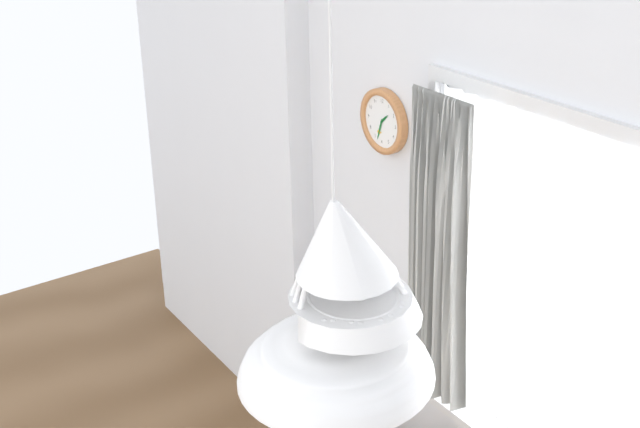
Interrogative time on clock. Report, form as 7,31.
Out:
1,33
